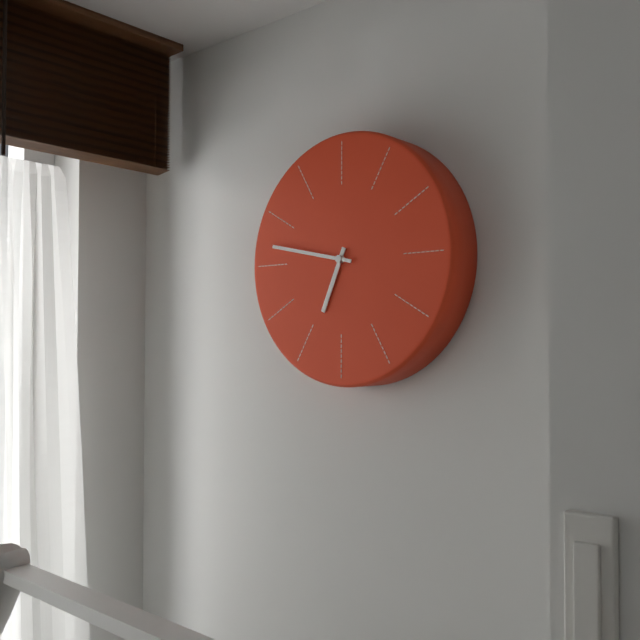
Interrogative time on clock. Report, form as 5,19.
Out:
6,47
